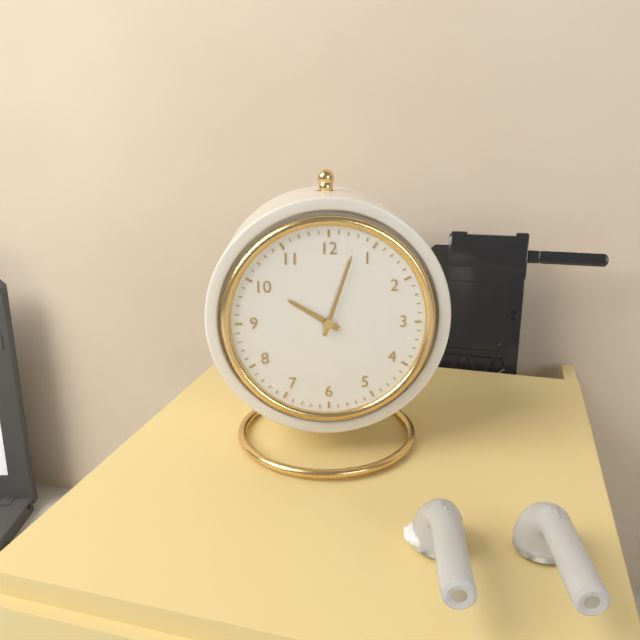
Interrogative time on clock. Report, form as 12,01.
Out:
10,03
